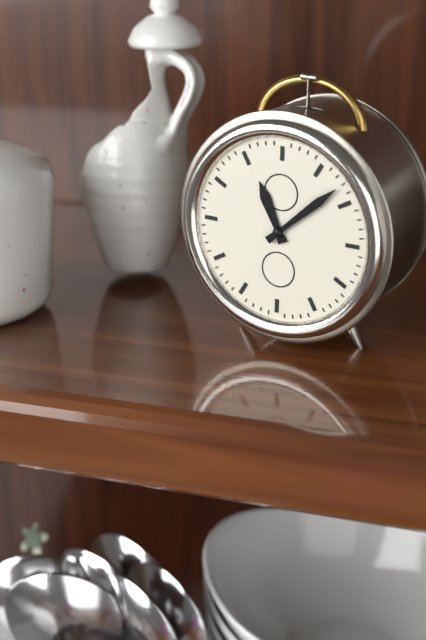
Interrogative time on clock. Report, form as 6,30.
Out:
11,08
